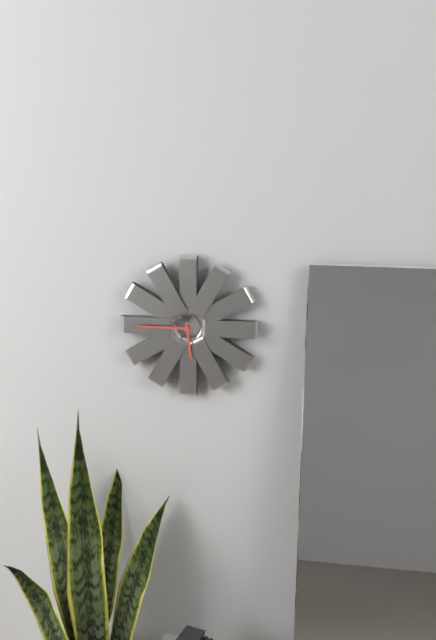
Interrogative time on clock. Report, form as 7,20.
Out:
5,45
